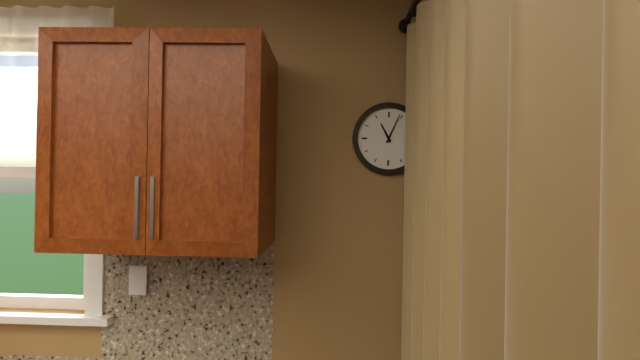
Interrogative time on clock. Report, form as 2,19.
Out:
11,04
